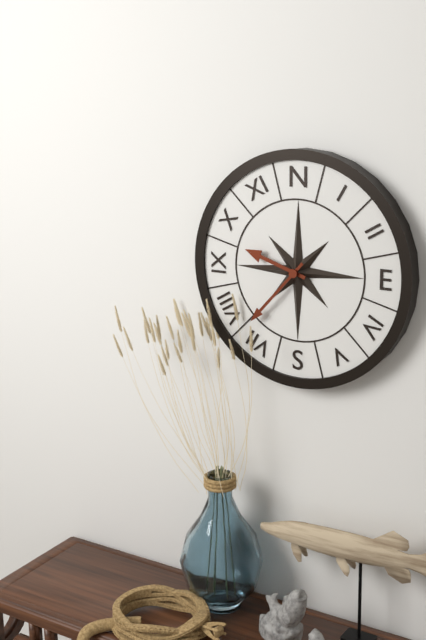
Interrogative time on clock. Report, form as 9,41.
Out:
9,37
